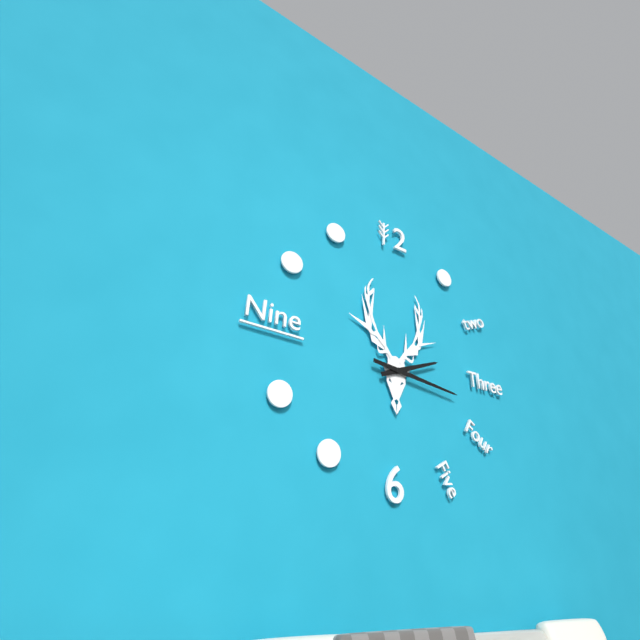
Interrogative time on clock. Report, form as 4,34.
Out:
2,16
